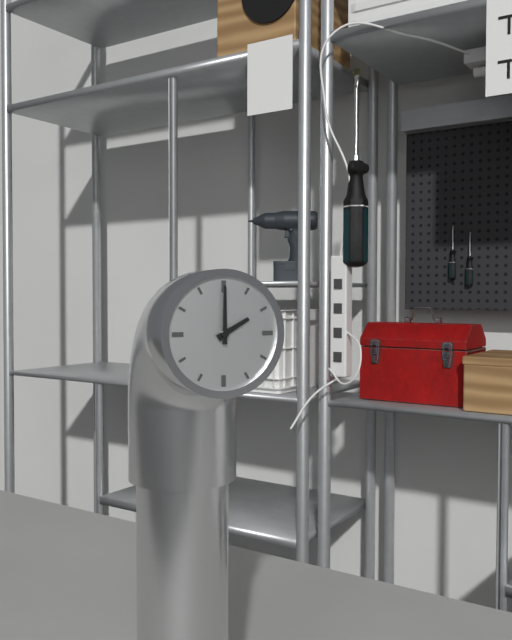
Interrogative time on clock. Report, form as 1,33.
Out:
2,00
